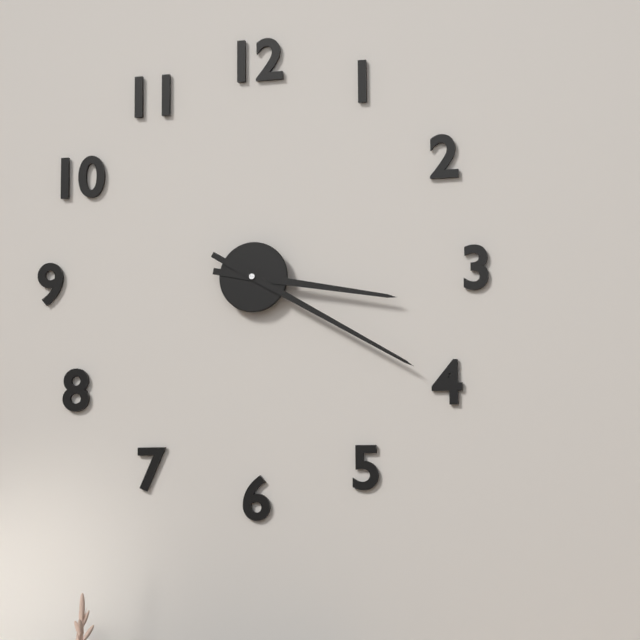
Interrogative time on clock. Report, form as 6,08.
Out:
3,20
